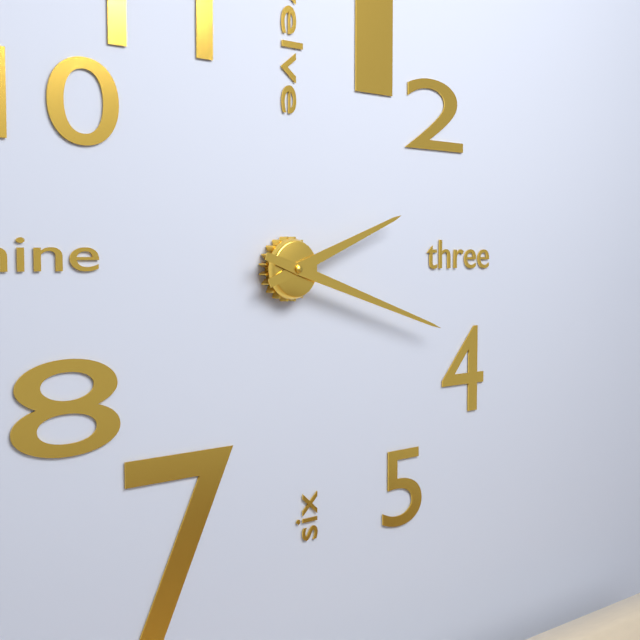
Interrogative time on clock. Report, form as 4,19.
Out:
2,18
